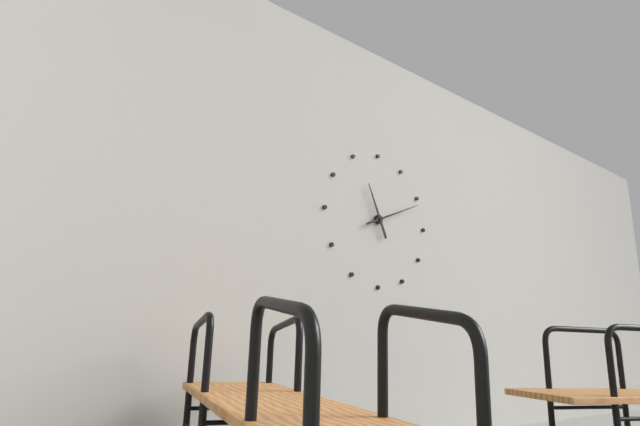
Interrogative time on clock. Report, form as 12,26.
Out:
11,11
